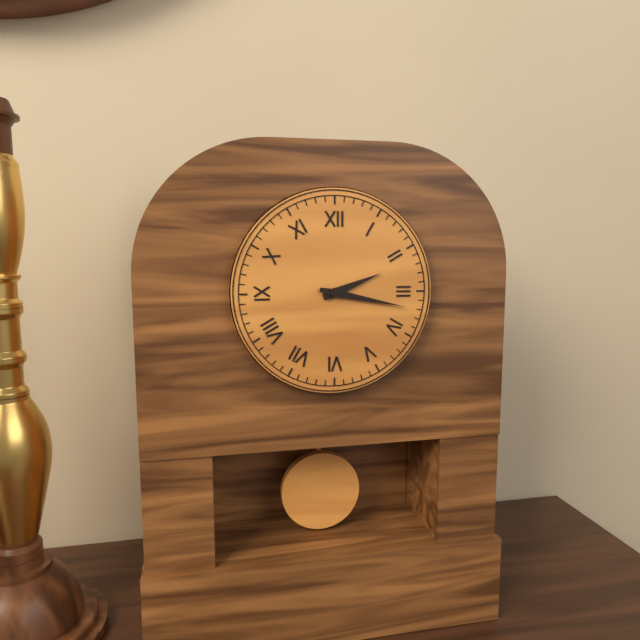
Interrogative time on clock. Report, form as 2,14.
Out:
2,17
